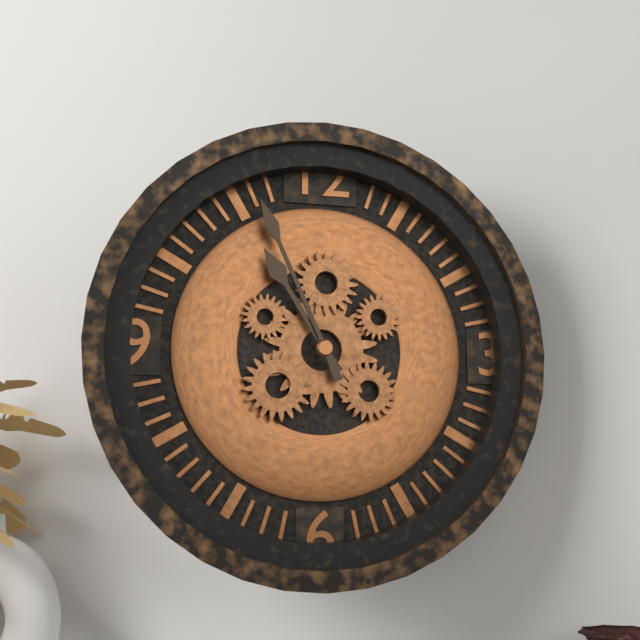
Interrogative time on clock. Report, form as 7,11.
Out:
10,56
